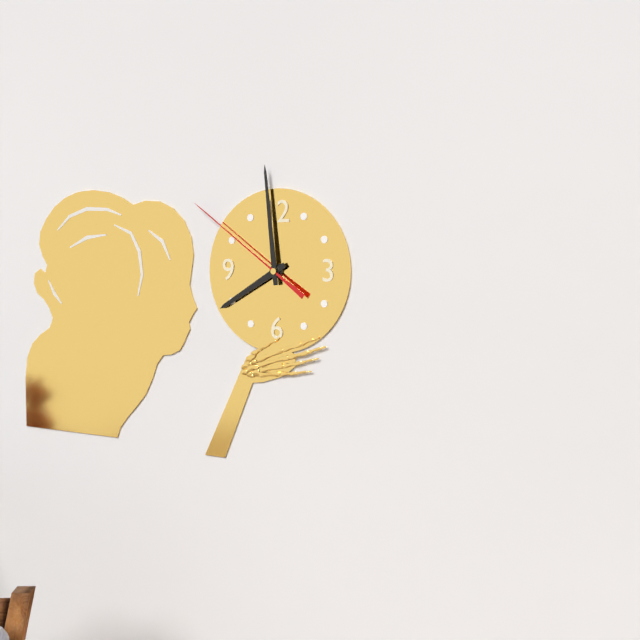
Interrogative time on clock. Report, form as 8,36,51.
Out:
7,59,51
